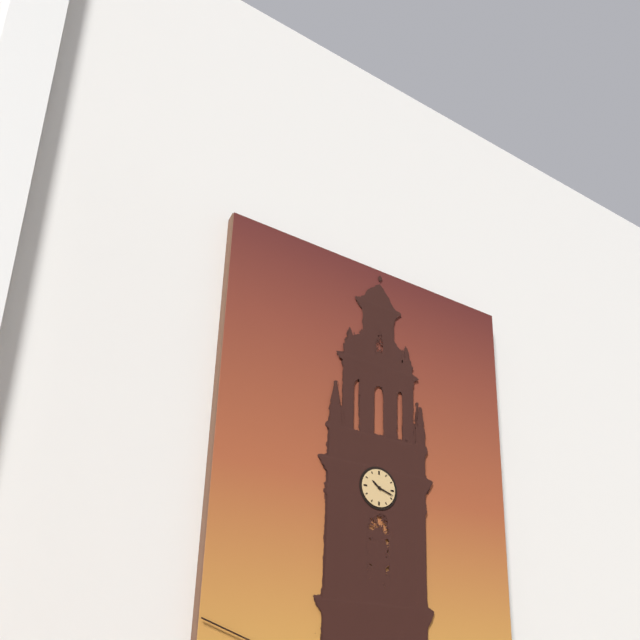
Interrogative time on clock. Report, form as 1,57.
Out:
10,18
